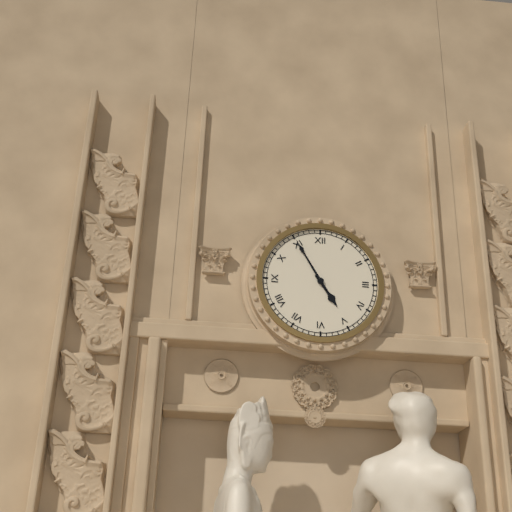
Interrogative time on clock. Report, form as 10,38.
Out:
4,55
